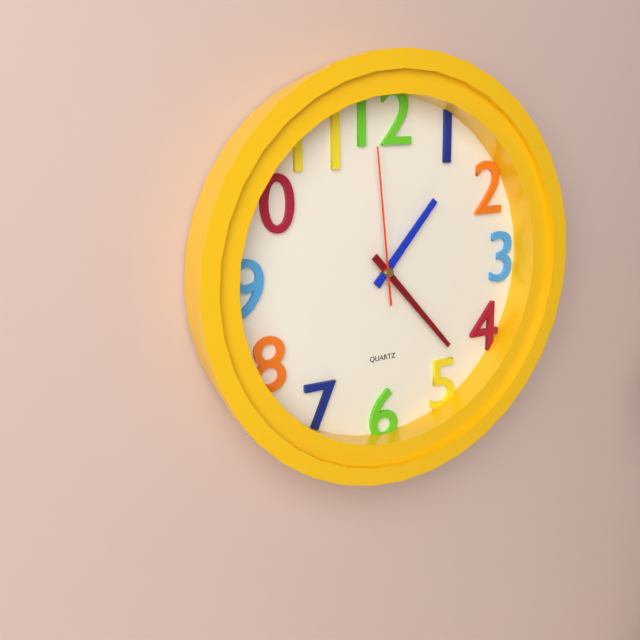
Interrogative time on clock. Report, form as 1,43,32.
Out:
1,23,59
